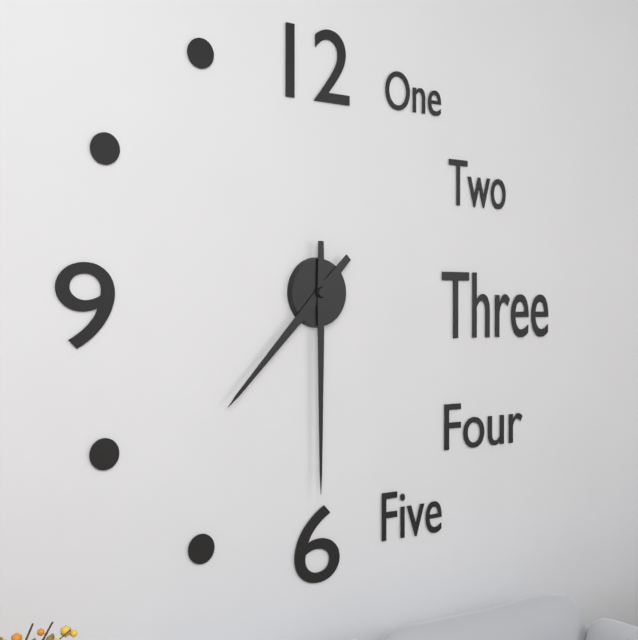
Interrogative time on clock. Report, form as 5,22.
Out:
7,30
